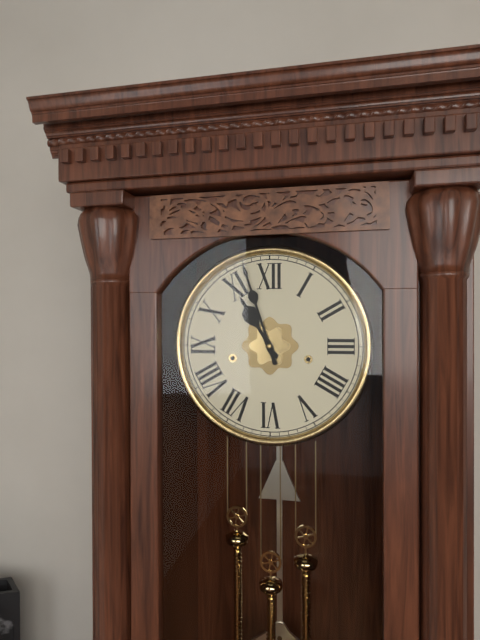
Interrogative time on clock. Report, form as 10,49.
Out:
10,57
